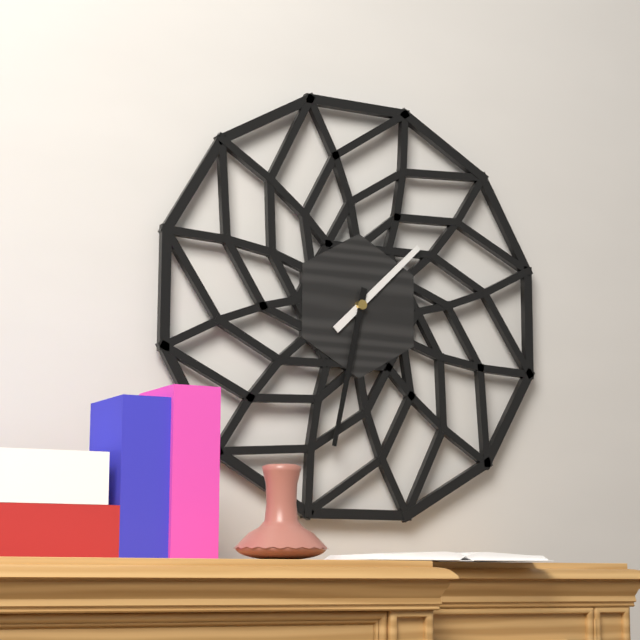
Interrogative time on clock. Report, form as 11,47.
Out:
1,32
